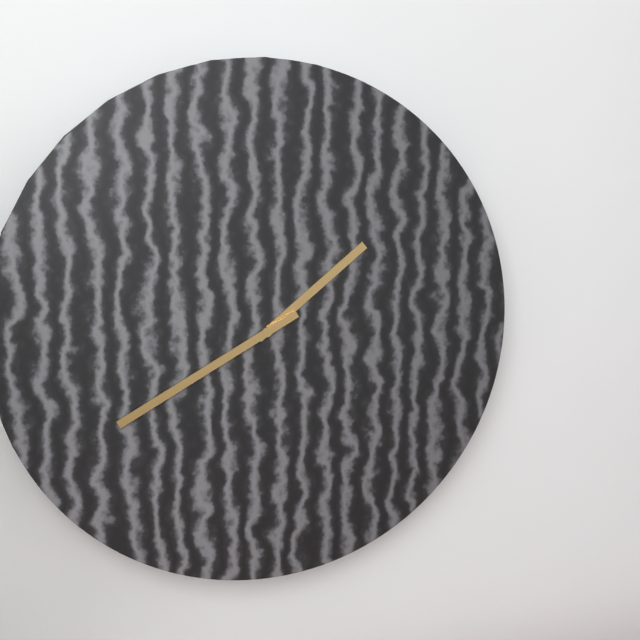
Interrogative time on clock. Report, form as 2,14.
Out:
1,40
